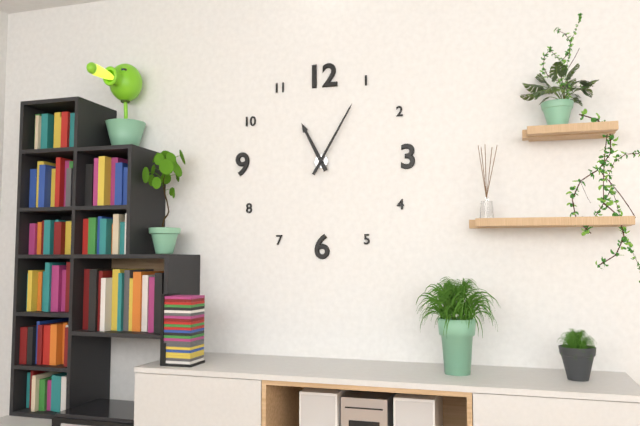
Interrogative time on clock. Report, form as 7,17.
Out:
11,05
